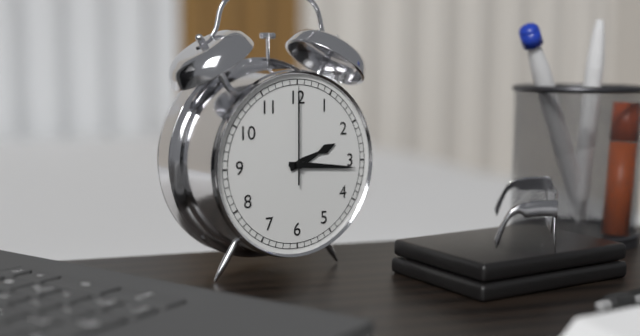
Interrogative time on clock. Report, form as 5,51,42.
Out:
2,16,00
